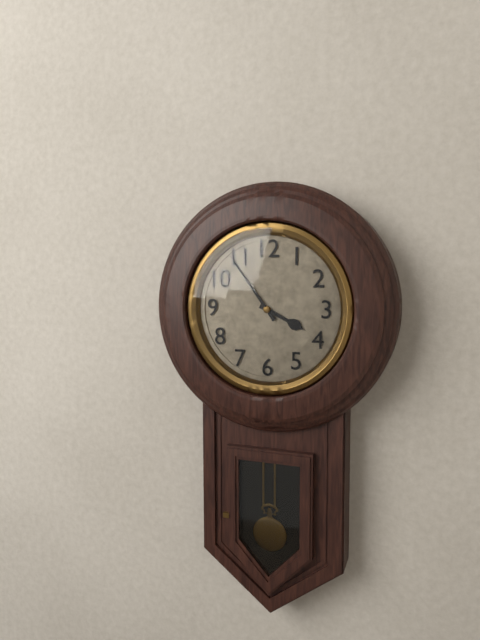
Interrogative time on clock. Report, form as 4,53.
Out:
3,54
